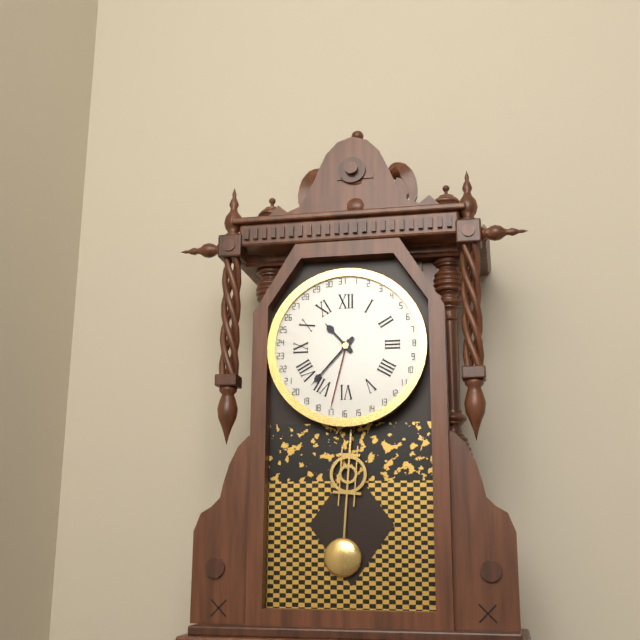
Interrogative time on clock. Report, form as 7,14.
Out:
10,37
